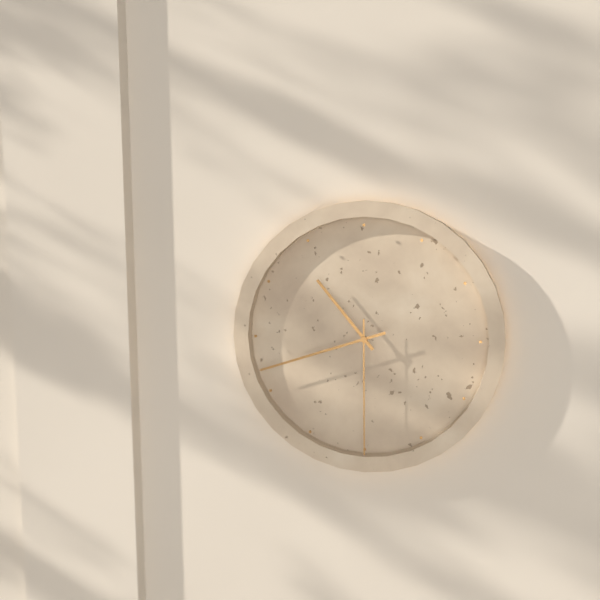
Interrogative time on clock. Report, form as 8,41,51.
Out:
10,42,30
